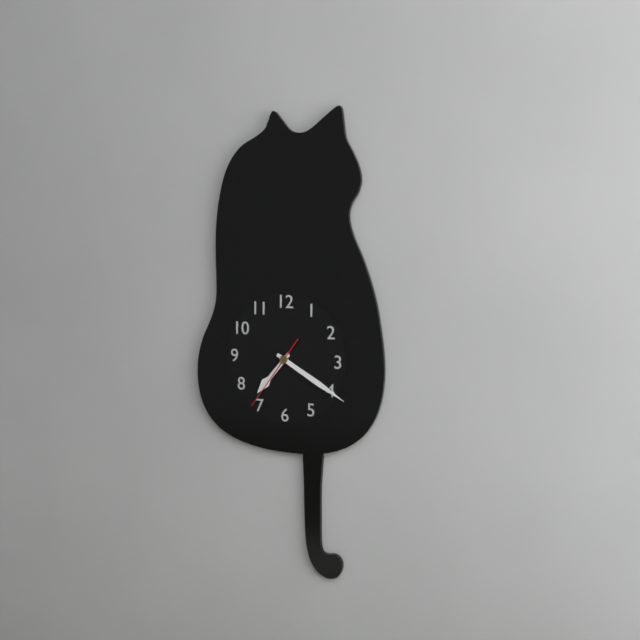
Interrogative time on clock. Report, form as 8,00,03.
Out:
7,20,36
